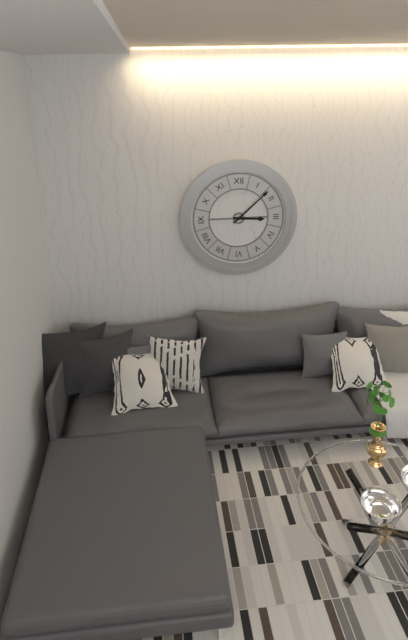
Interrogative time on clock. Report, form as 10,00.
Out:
3,08
